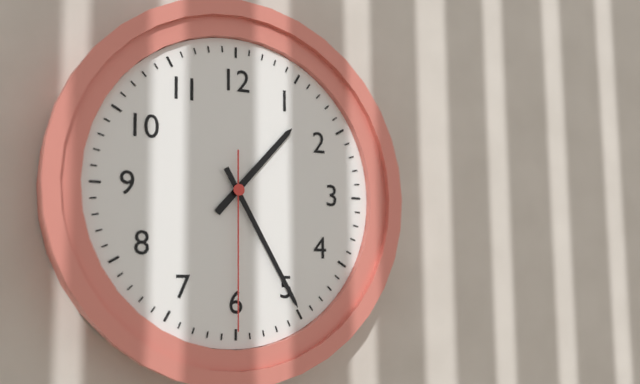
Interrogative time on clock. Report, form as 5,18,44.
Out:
1,25,30
